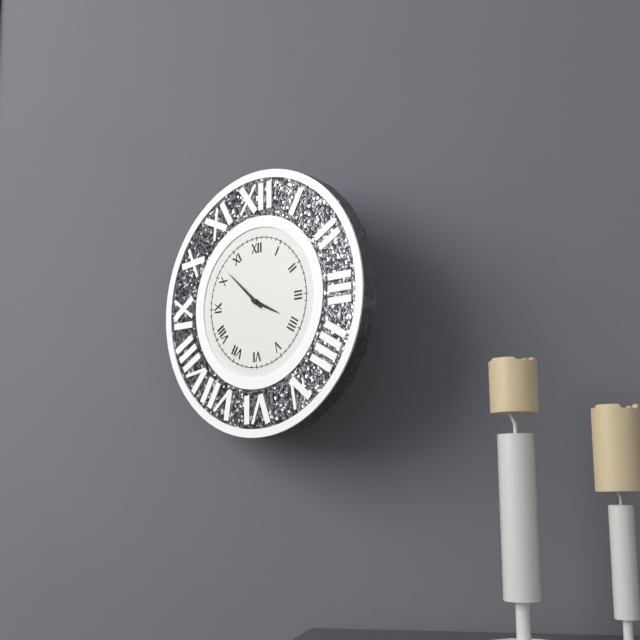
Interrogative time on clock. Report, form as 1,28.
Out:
3,52
